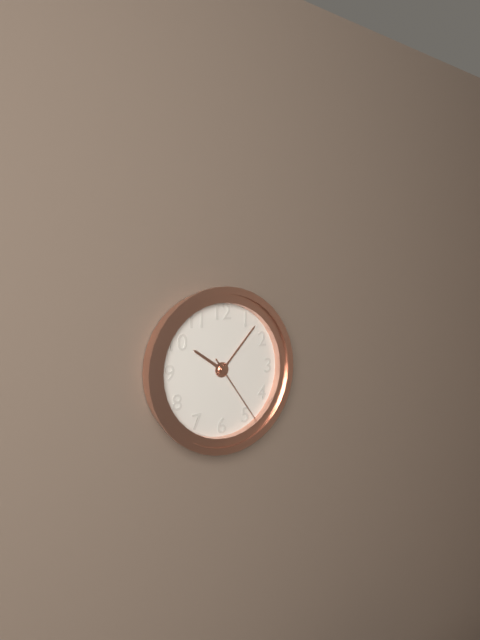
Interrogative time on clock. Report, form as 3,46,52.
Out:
10,07,24
